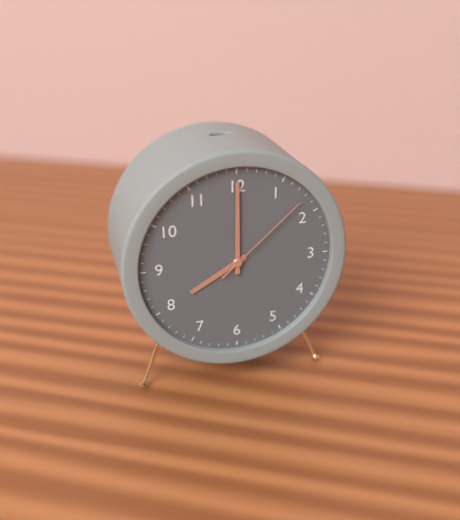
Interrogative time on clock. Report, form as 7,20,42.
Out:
8,00,08
